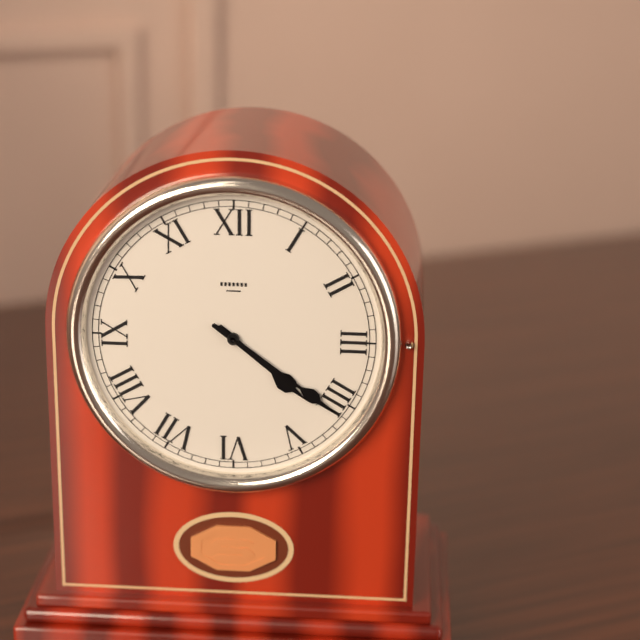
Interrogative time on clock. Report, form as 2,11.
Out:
4,21
